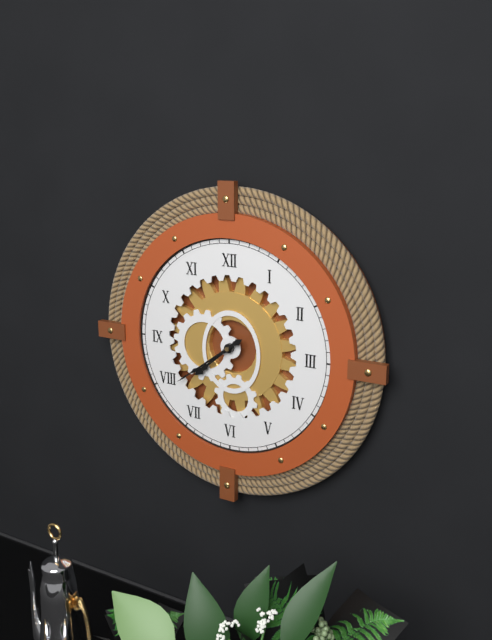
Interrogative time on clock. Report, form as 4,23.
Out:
7,39
